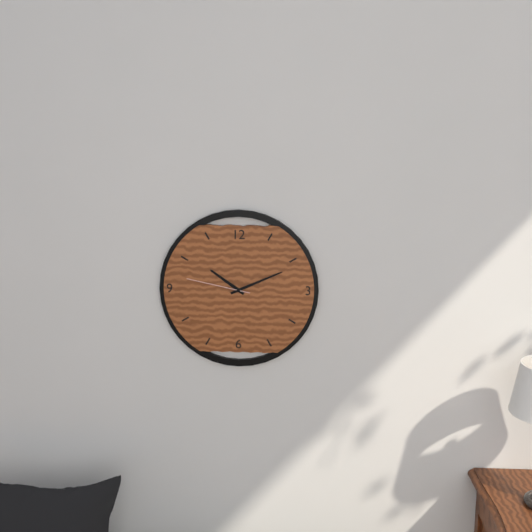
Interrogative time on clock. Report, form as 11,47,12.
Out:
10,11,47
